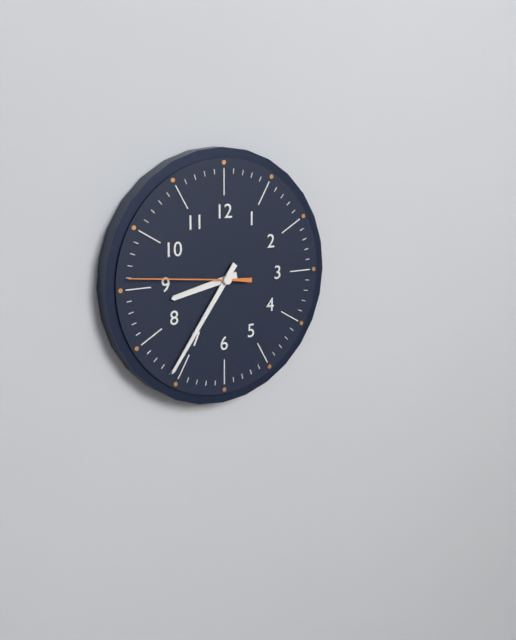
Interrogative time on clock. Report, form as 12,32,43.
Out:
8,36,46
